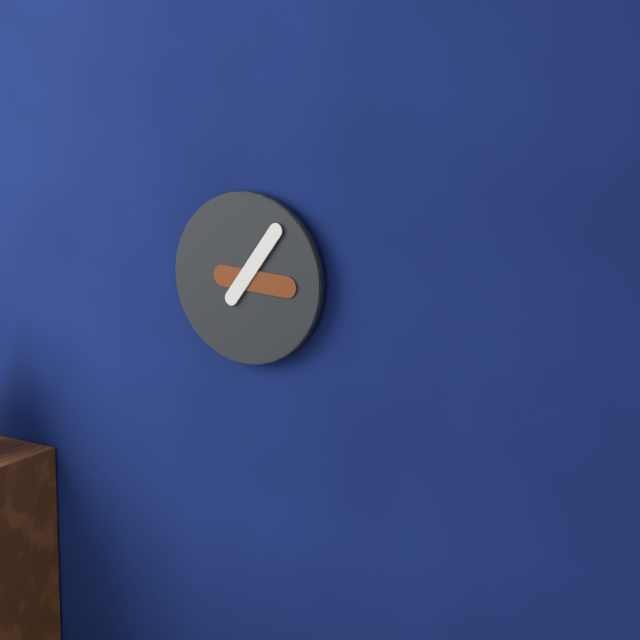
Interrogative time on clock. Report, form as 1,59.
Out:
3,06
